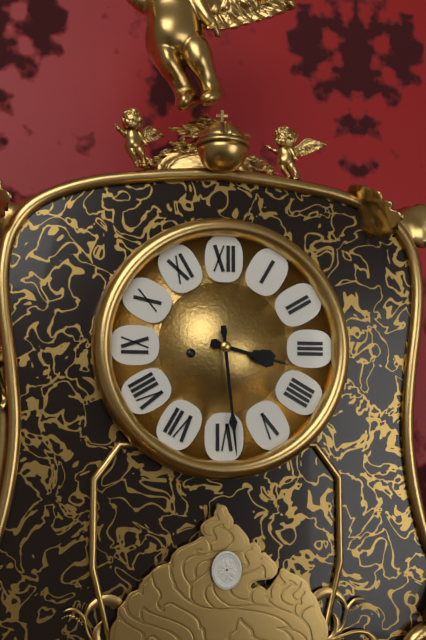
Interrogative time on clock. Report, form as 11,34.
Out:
3,29
